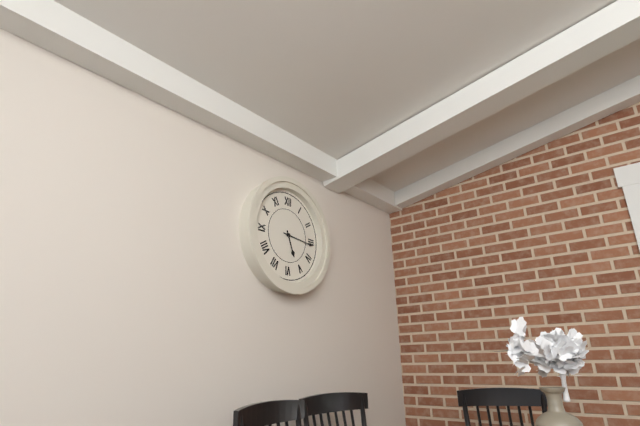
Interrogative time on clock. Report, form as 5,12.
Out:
5,16
